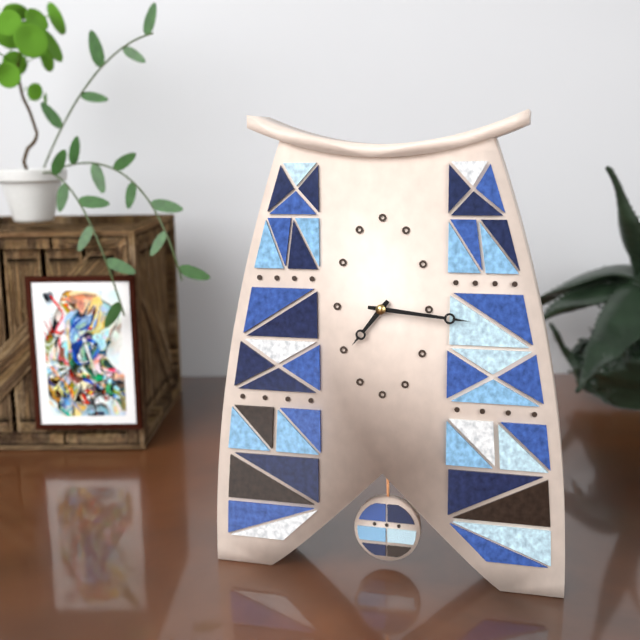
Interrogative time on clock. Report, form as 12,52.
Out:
7,16
